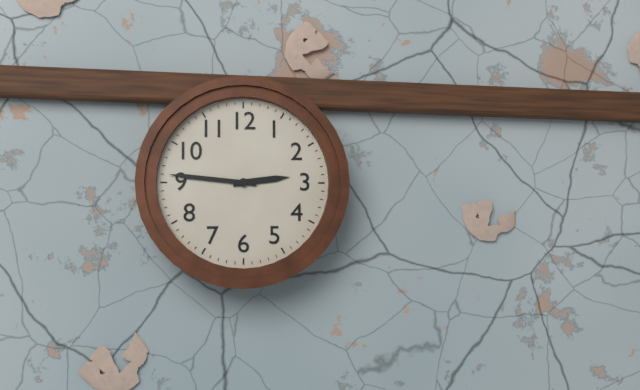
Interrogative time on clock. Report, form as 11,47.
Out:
2,46
